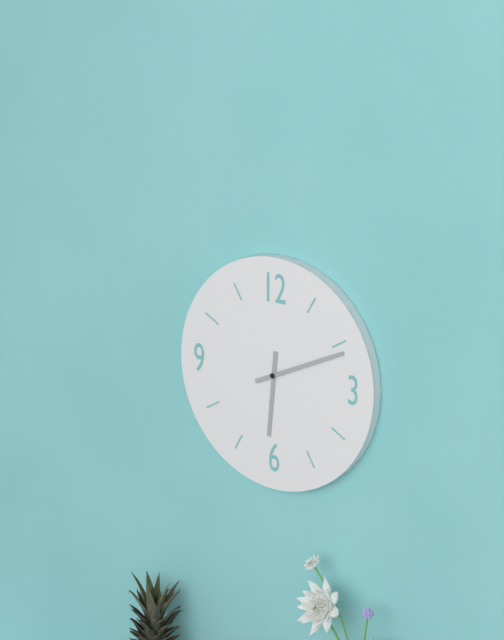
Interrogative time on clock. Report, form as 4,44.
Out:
6,11
